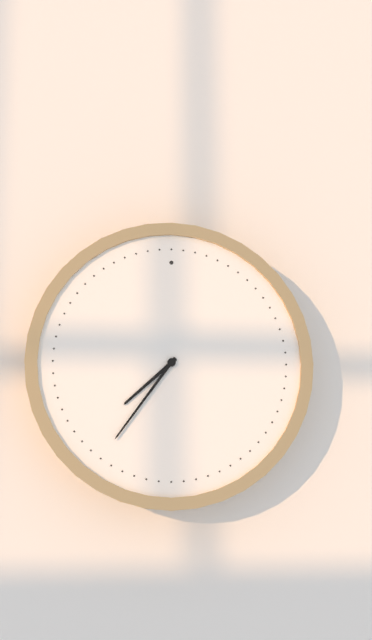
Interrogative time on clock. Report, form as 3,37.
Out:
7,36
